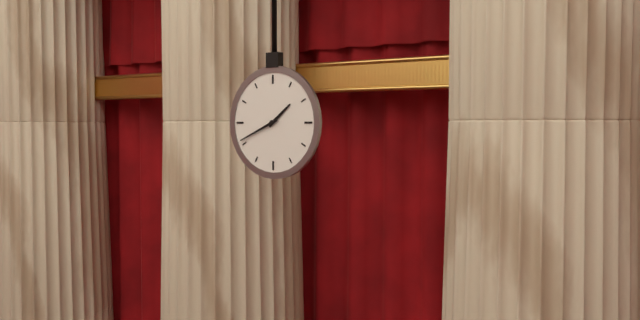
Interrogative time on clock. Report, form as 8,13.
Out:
1,41
